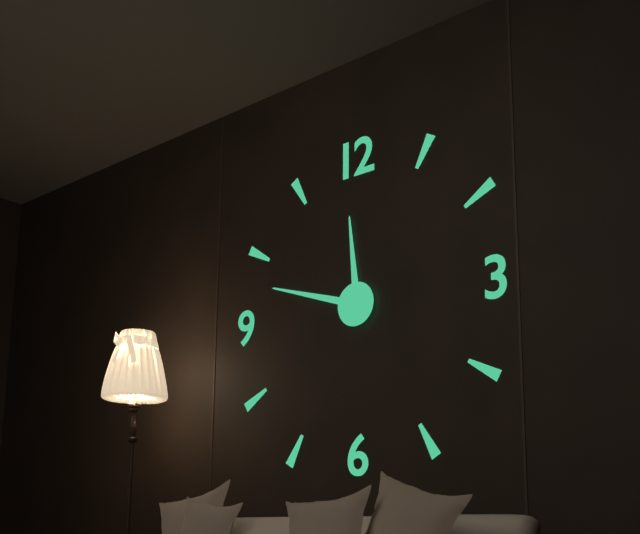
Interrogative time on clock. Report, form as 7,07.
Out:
11,48
